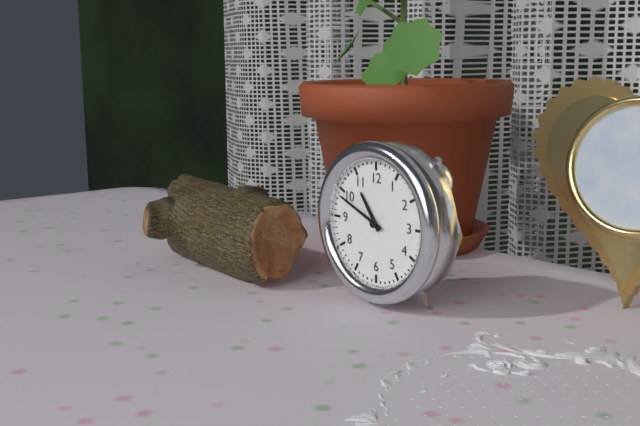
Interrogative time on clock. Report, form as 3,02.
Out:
10,49
